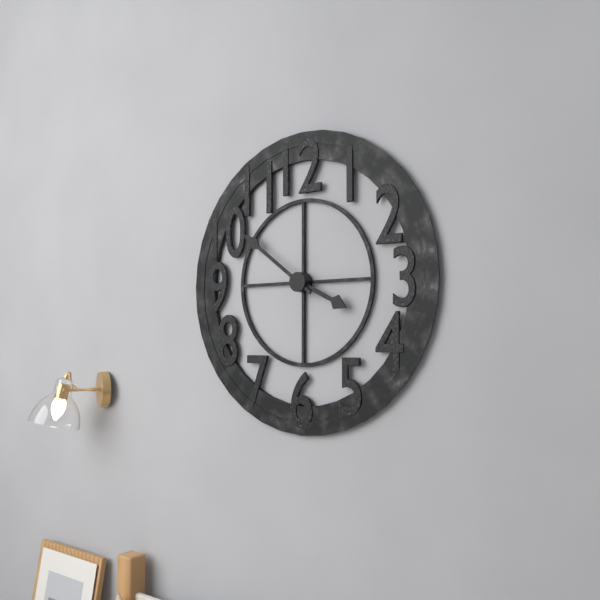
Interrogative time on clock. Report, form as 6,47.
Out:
3,51
